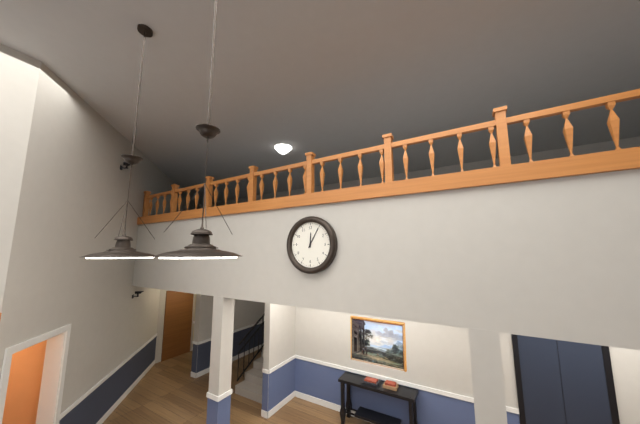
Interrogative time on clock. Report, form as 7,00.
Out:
12,05
